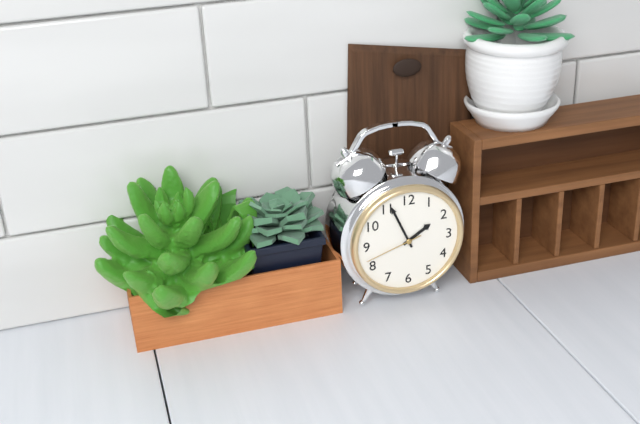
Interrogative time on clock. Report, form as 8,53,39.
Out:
1,56,42
